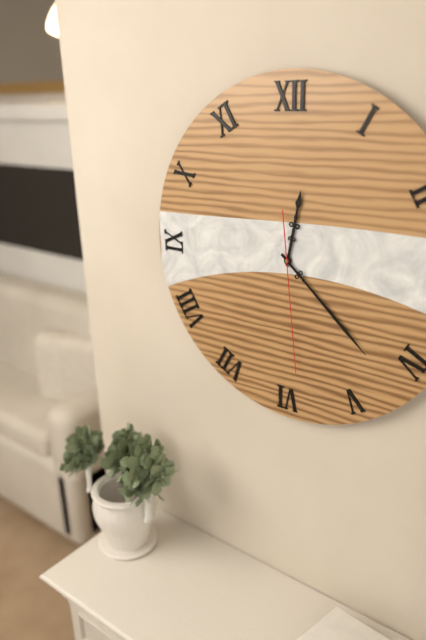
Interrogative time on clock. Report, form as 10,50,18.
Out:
12,22,29
